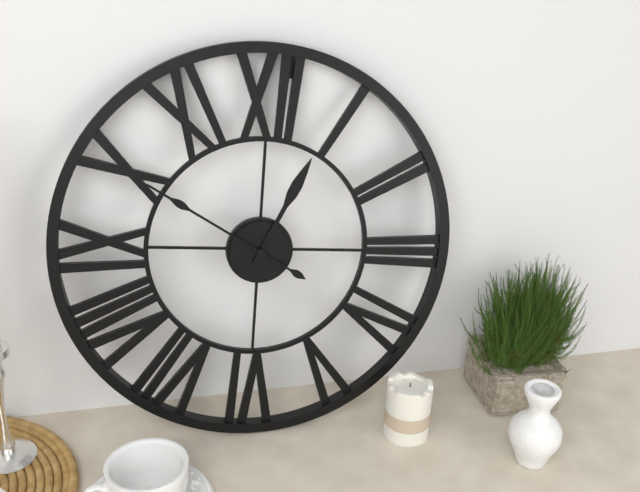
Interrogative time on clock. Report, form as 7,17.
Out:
12,50
